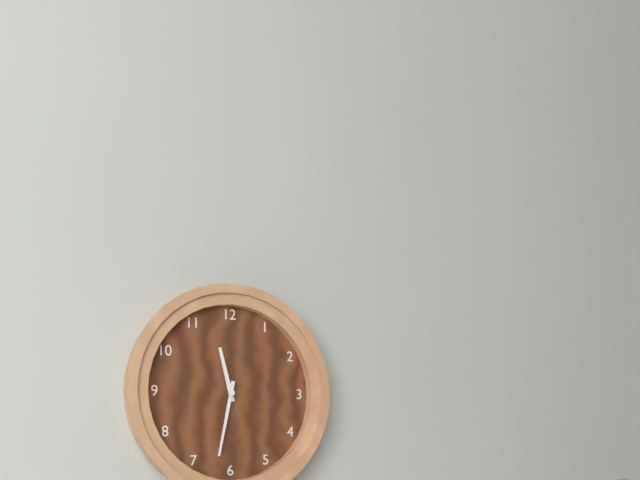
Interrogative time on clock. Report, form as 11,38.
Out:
11,32
